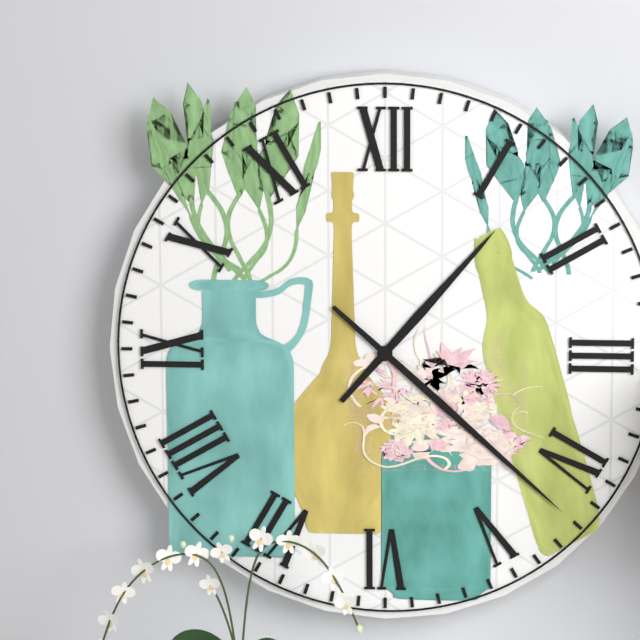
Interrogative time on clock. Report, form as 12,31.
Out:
1,22
